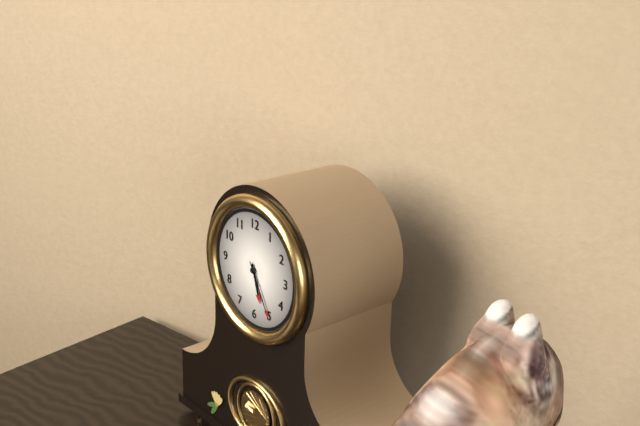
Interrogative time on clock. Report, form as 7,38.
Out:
5,25
